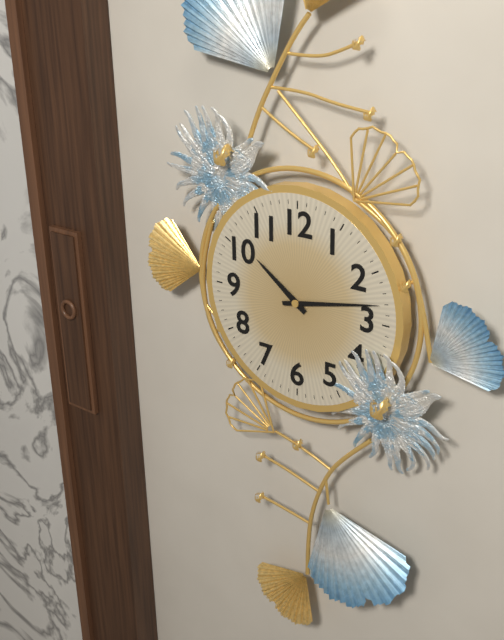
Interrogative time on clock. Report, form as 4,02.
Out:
10,13
